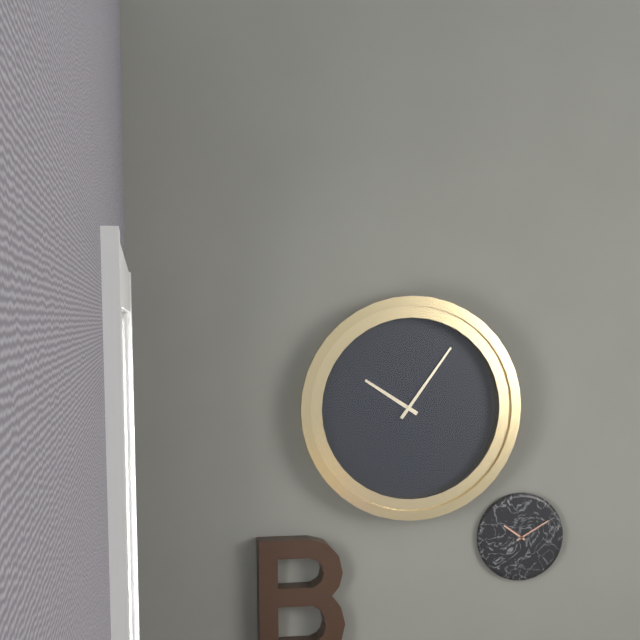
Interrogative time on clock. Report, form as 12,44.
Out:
10,06
